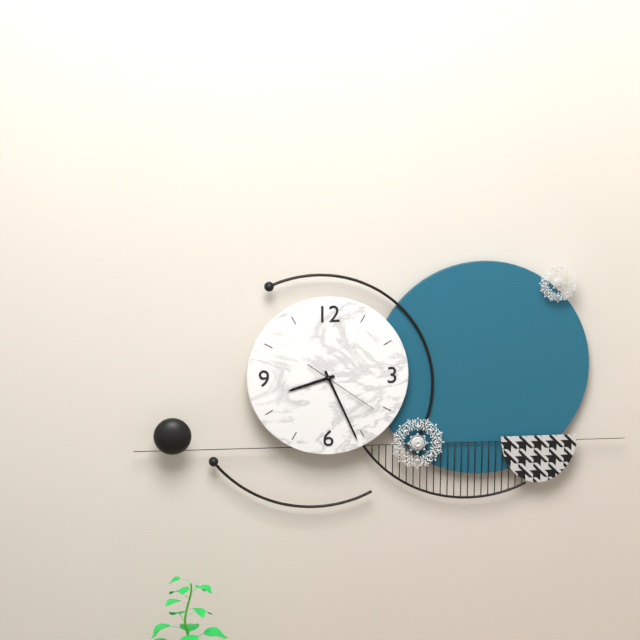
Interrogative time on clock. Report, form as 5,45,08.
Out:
8,26,21
